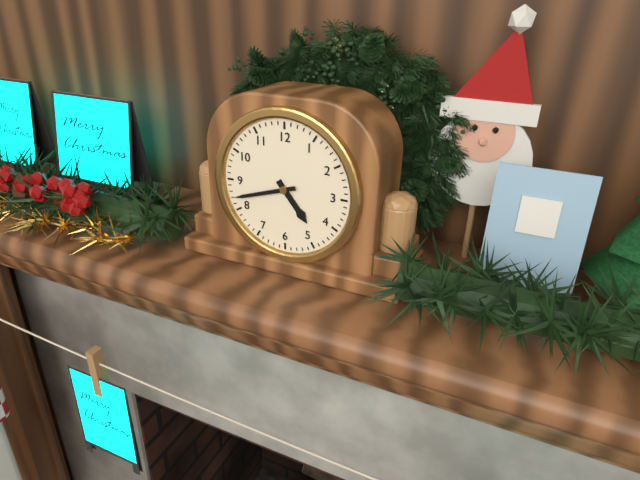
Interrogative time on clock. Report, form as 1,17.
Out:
4,42
